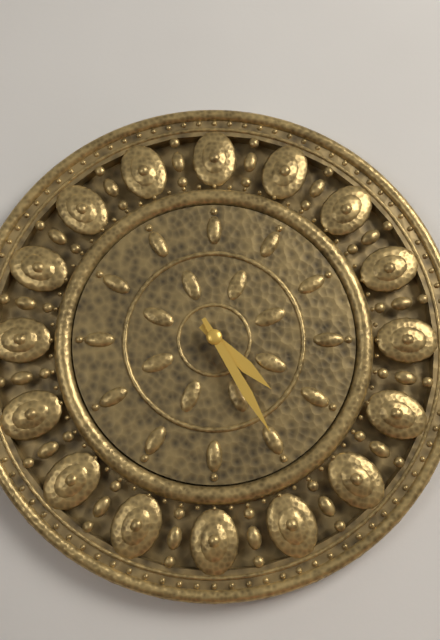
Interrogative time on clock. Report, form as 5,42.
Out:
4,25
